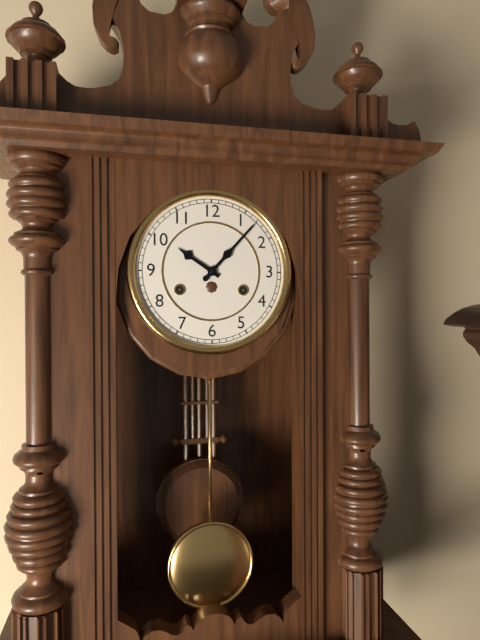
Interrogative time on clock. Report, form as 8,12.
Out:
10,07
